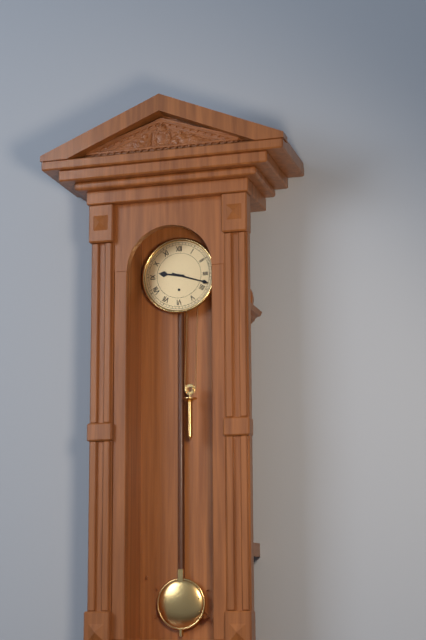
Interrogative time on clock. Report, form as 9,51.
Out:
9,18
